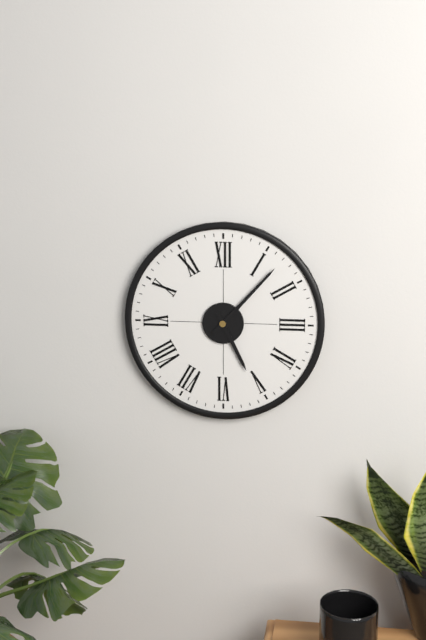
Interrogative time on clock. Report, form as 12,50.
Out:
5,07
